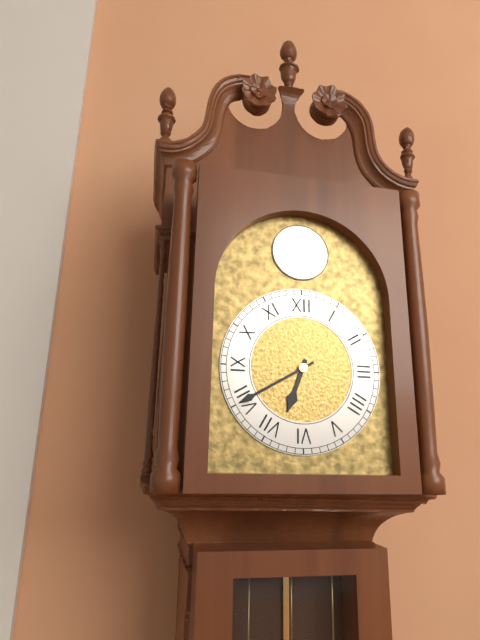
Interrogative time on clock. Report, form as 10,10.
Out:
6,40
